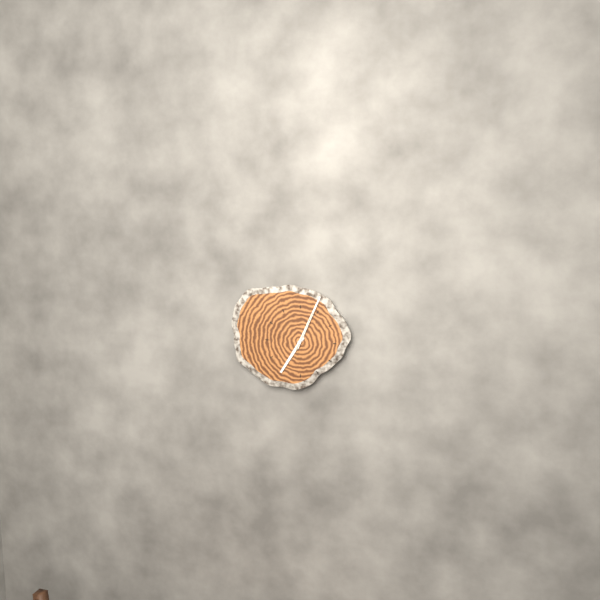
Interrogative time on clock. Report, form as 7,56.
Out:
7,04
